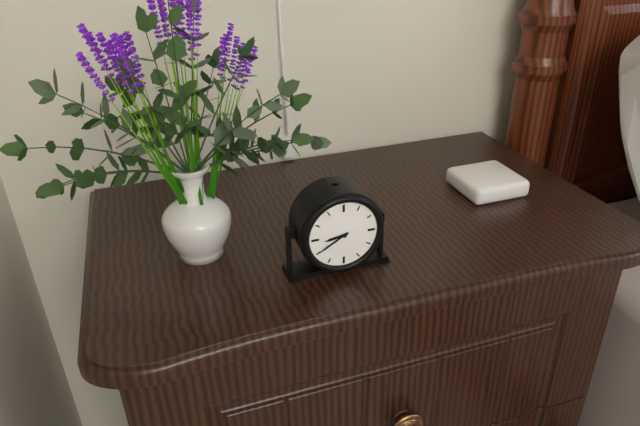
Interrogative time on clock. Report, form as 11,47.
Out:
8,40
